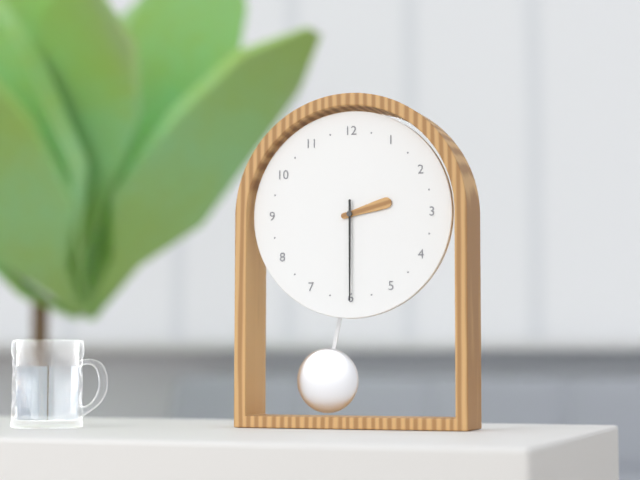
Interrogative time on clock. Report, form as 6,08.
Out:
2,30
